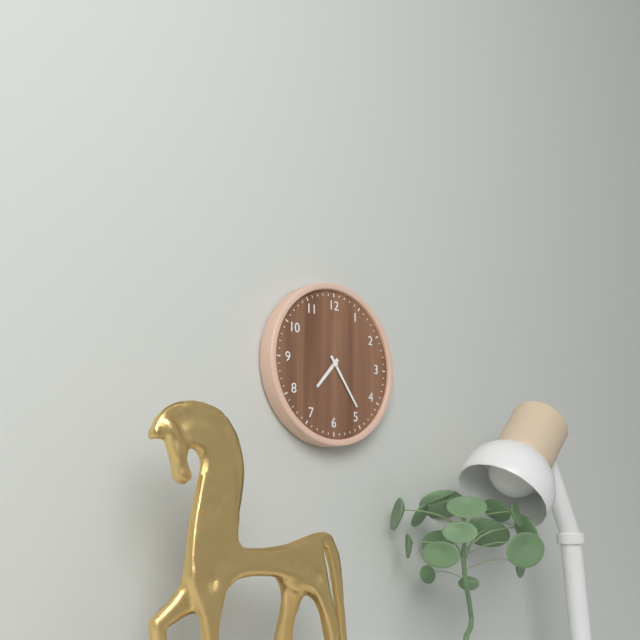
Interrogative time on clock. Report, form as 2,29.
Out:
7,24
